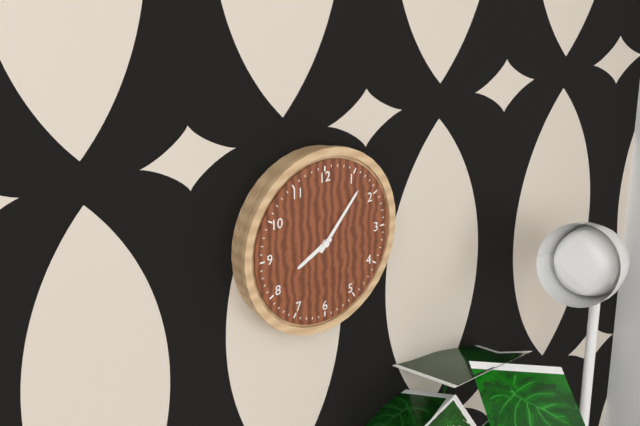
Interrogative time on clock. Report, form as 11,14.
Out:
8,07
